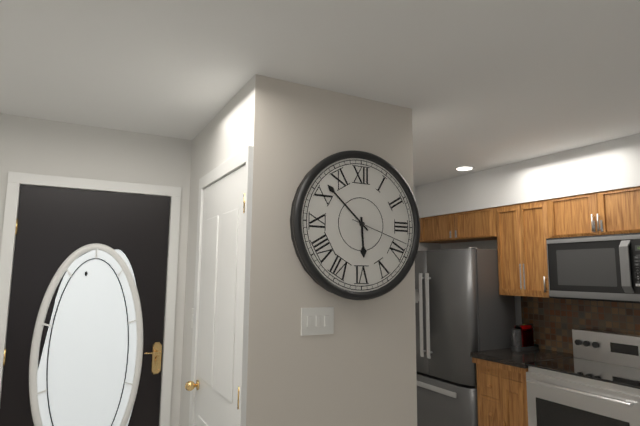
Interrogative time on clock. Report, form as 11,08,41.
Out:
5,52,18
